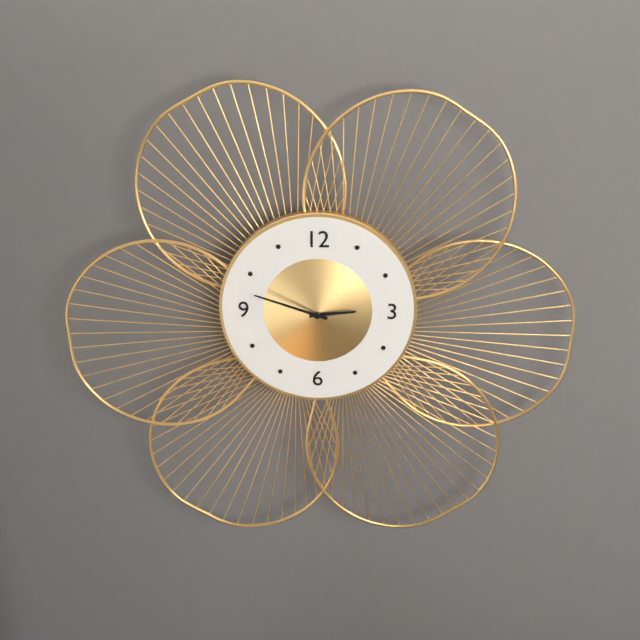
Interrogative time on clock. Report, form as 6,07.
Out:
2,48
